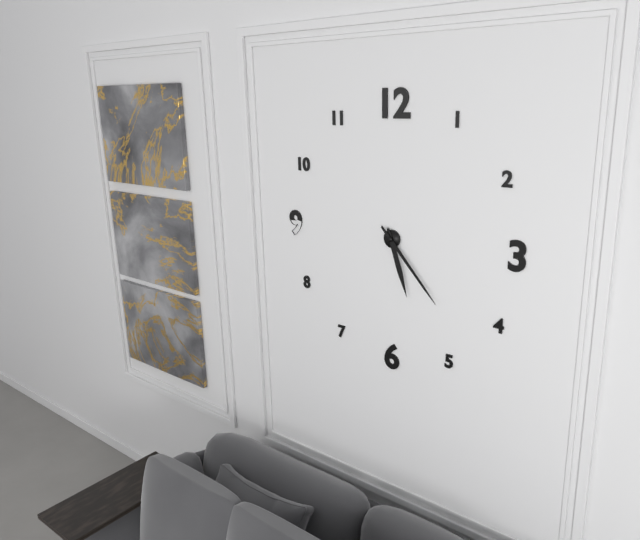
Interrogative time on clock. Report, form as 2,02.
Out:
5,23
